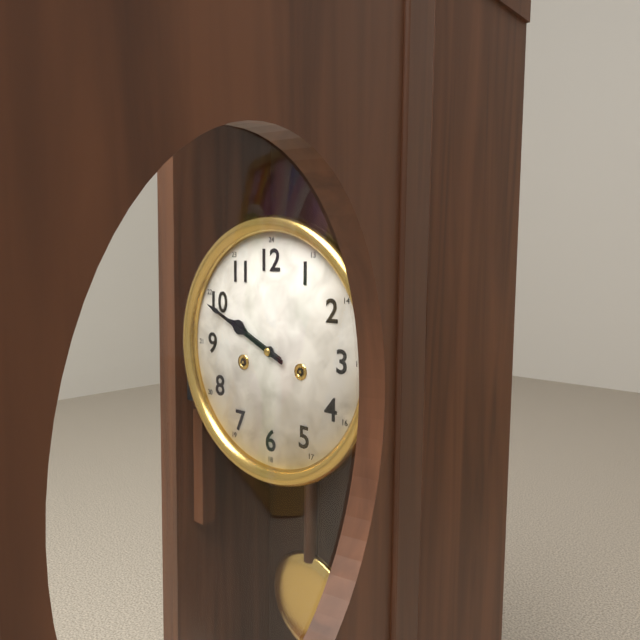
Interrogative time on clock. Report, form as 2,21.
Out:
9,49
